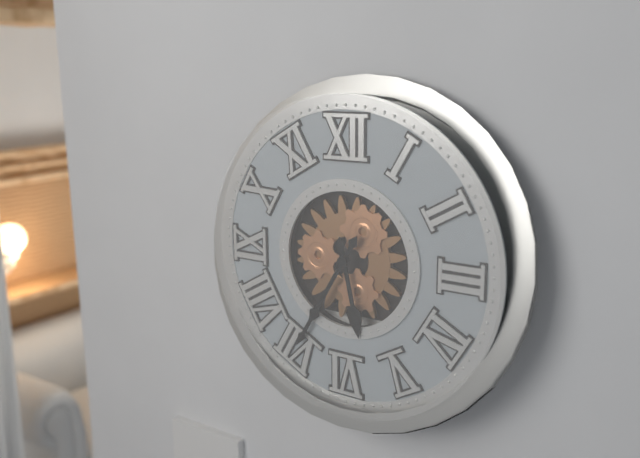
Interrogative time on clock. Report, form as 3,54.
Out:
5,35
